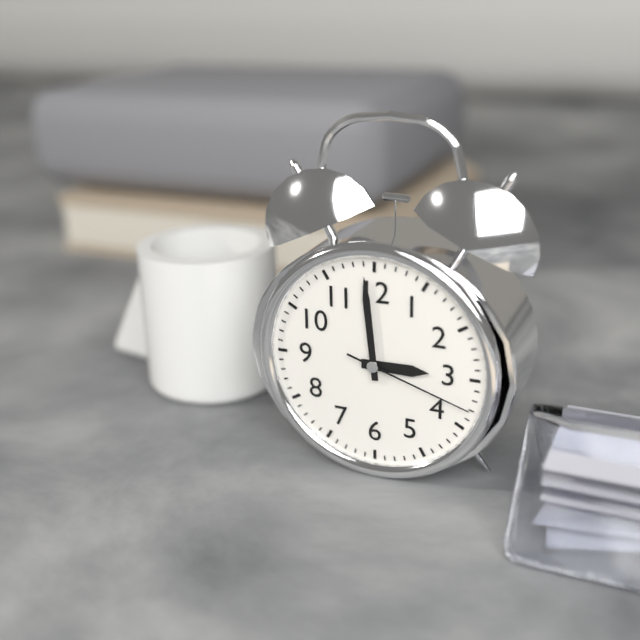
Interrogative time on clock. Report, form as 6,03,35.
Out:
2,59,18
